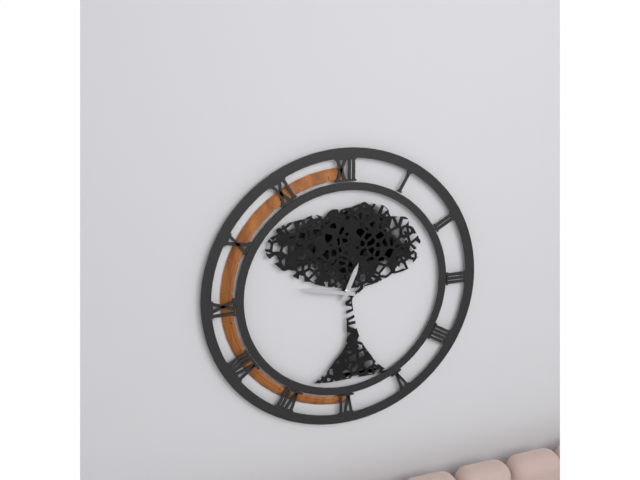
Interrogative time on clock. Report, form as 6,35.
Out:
12,47
